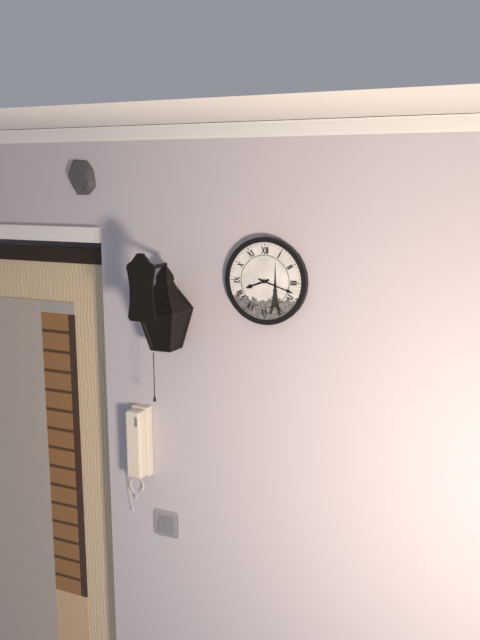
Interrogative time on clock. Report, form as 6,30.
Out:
8,18
